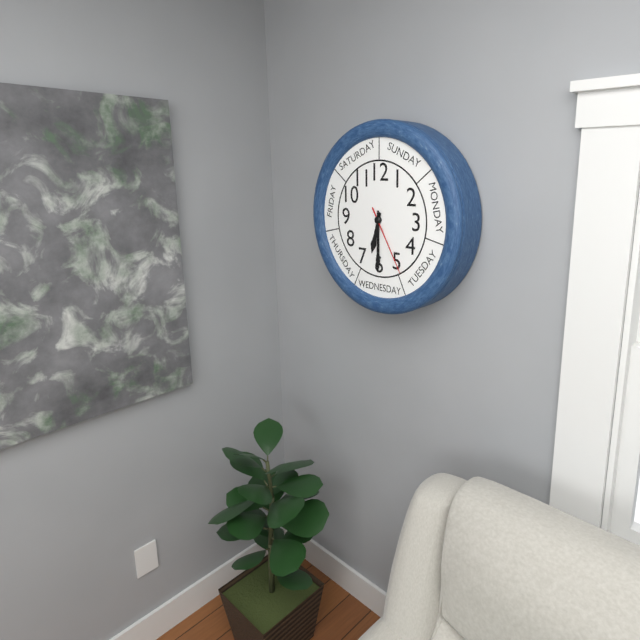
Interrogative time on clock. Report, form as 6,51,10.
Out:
6,30,25
